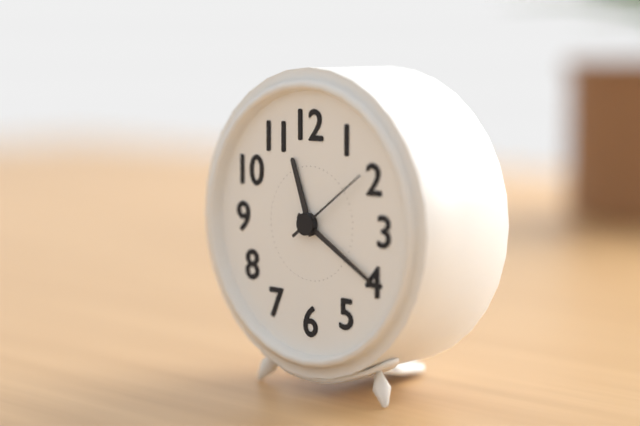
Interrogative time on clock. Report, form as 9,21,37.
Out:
11,20,09
